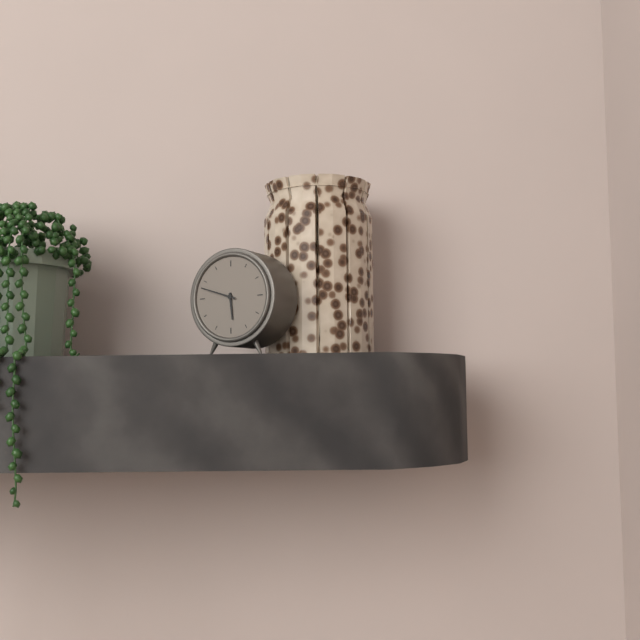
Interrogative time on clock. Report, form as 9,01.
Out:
5,48
